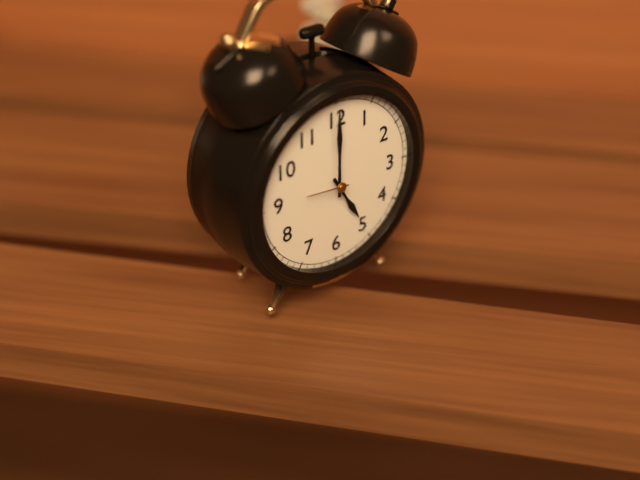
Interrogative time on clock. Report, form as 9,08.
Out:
5,00
